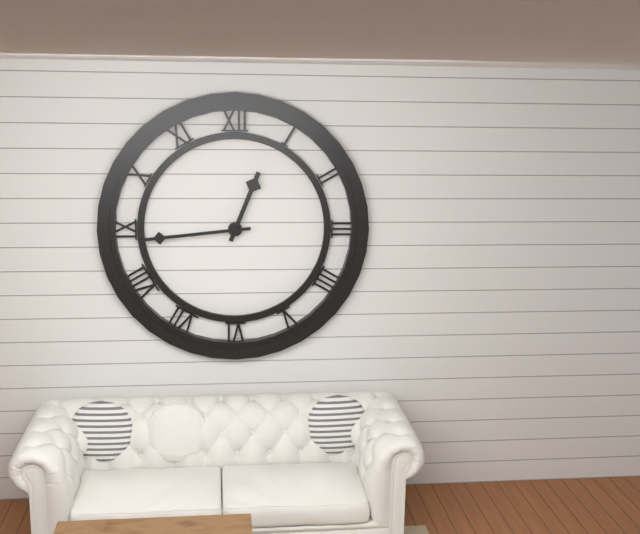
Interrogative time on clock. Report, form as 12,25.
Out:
12,44
